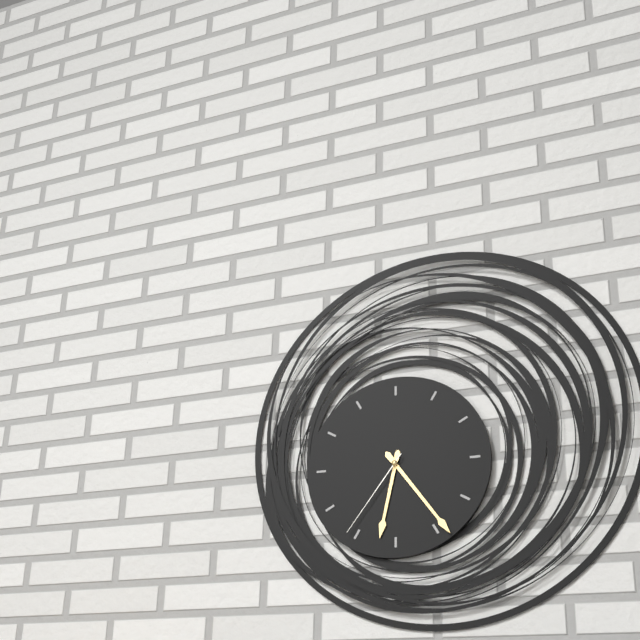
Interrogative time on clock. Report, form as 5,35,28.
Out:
6,24,36
